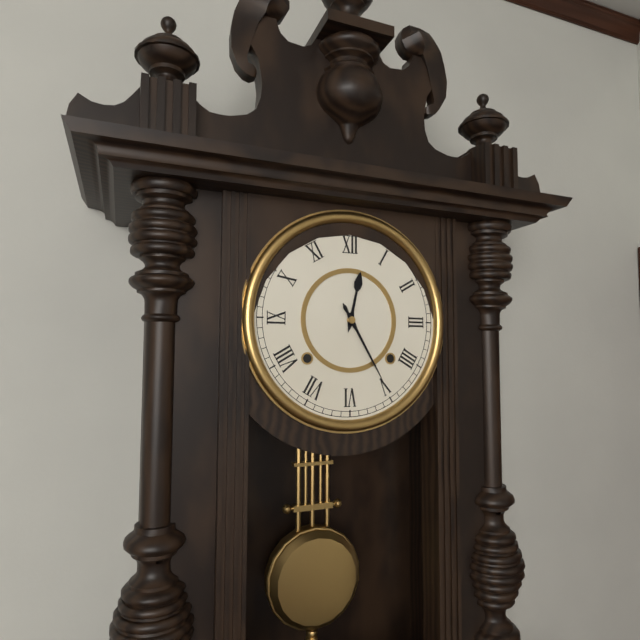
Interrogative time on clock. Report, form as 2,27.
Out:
12,25
